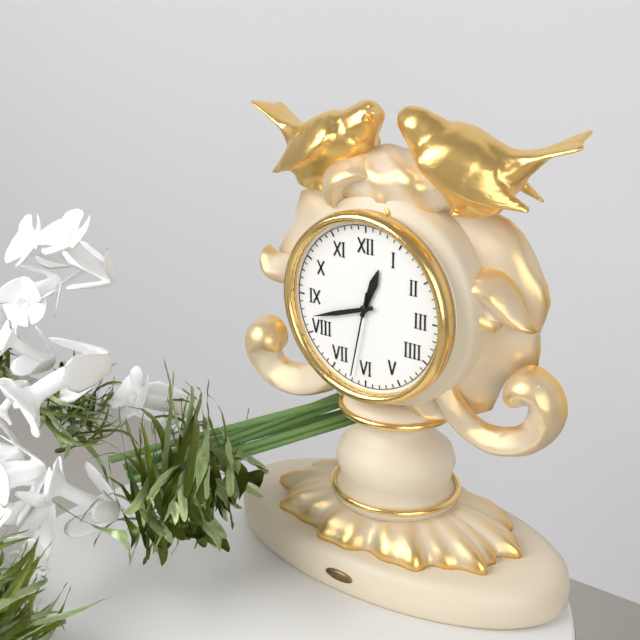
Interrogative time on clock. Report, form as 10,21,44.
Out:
12,42,32
